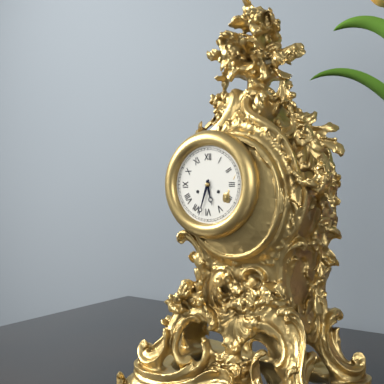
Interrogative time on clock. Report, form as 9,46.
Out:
5,33
